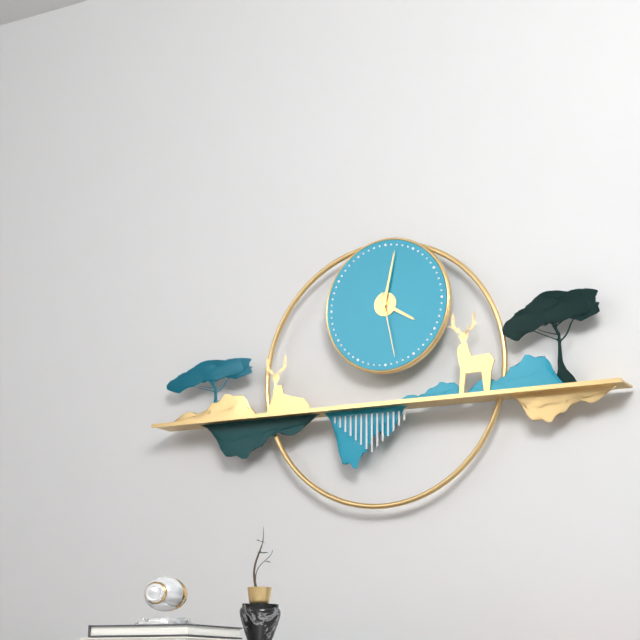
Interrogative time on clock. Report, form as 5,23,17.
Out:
4,02,28
